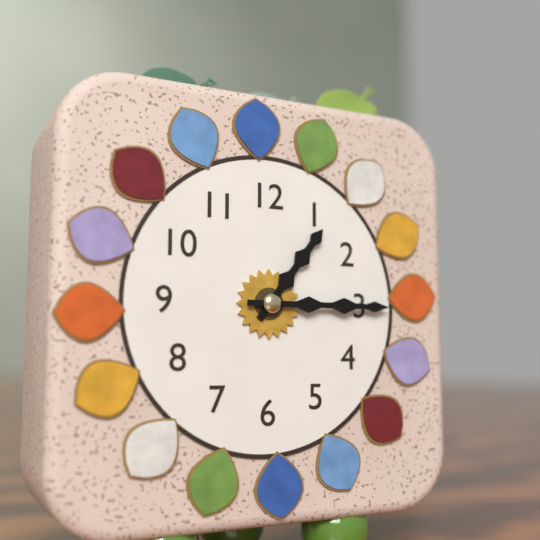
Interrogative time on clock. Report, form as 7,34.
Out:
1,15
